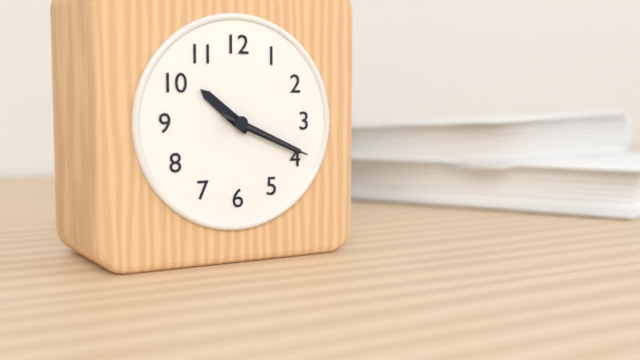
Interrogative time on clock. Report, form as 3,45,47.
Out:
10,19,19
